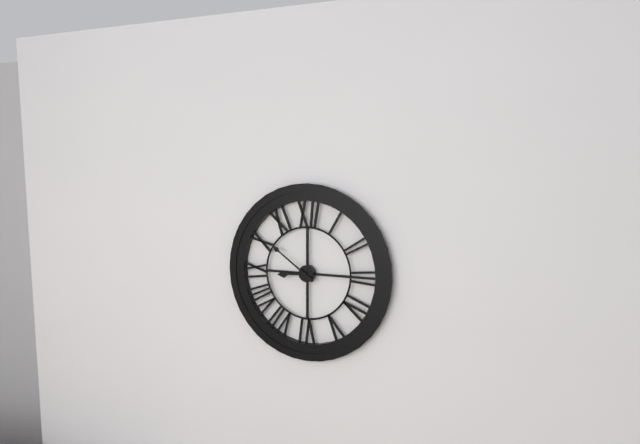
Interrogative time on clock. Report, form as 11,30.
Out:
8,51
